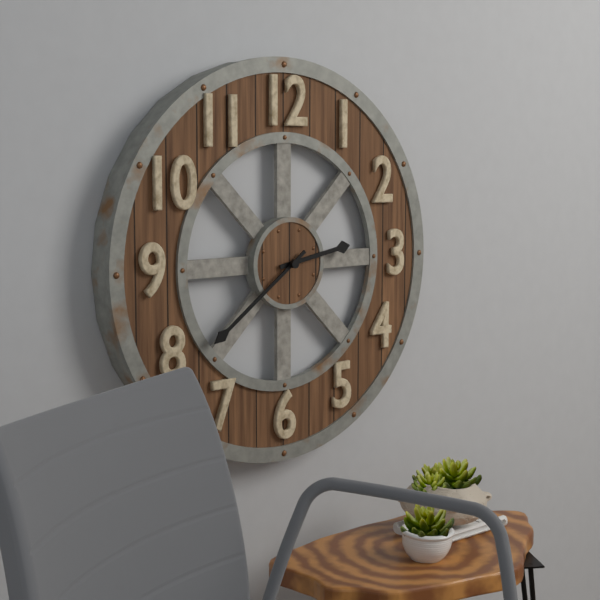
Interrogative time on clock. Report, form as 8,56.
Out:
2,39
